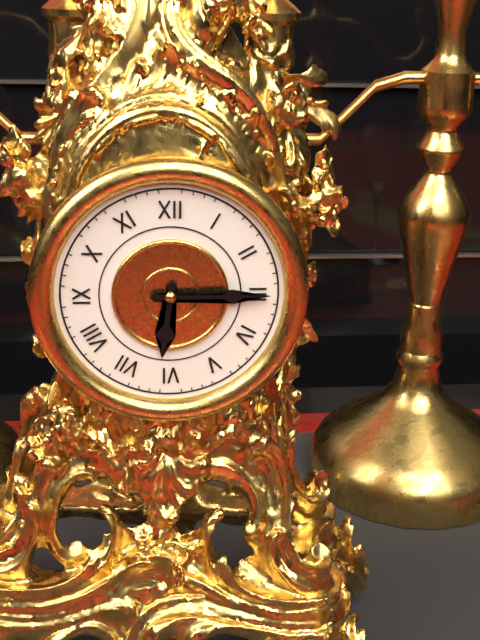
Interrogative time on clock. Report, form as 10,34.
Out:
6,15
